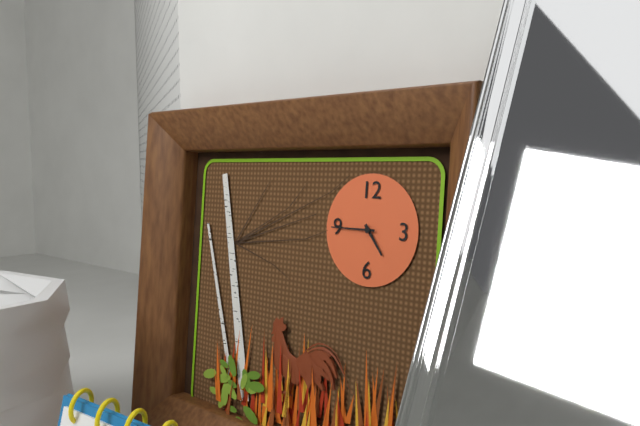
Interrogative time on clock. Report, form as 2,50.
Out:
4,45
